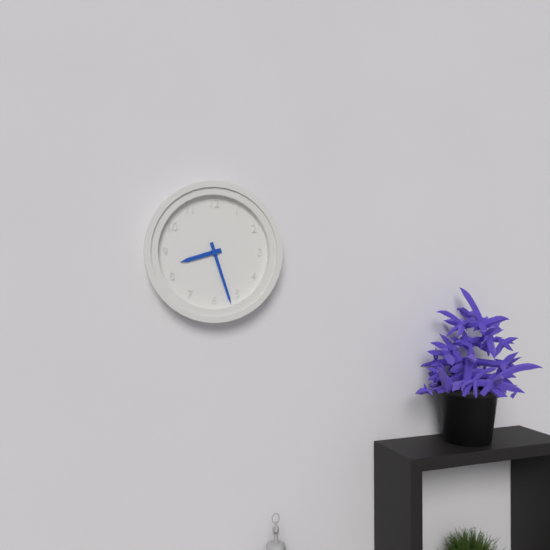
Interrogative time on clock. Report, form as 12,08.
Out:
8,27
